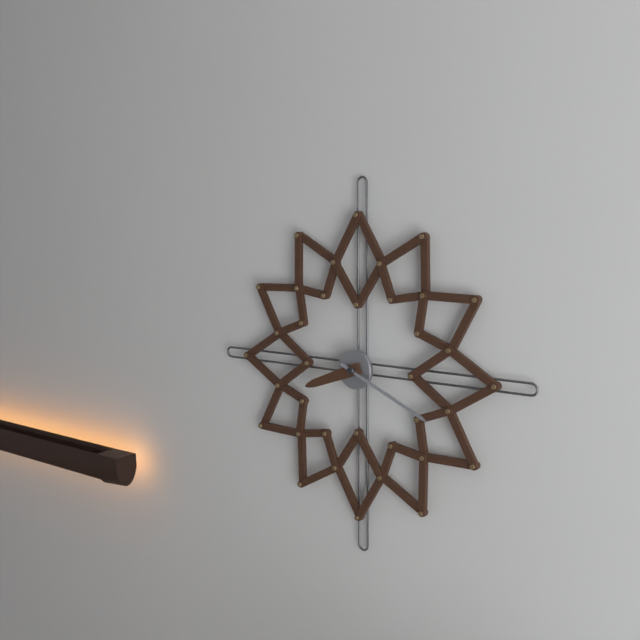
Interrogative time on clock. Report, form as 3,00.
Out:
8,19
